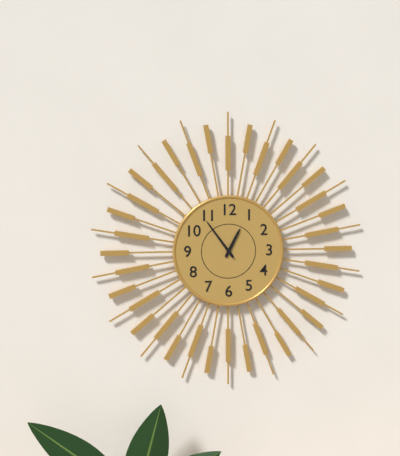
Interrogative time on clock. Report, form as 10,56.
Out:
12,54
